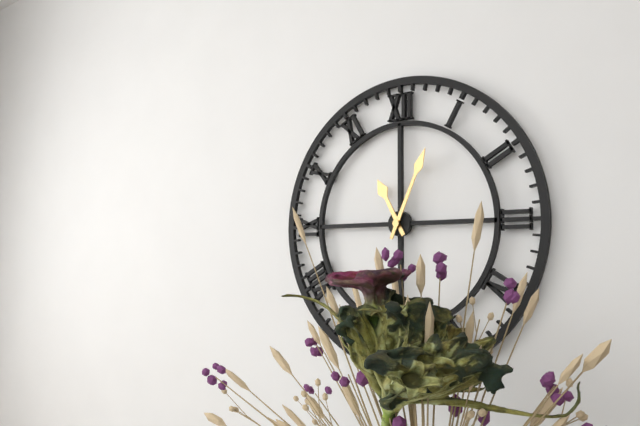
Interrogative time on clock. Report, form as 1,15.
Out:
11,04
